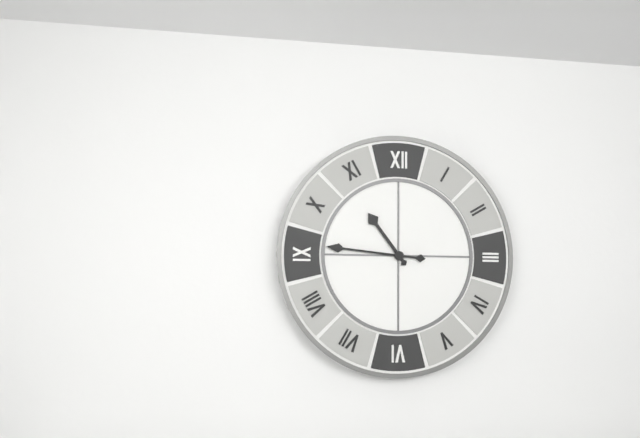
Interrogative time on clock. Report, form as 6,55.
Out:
10,46
